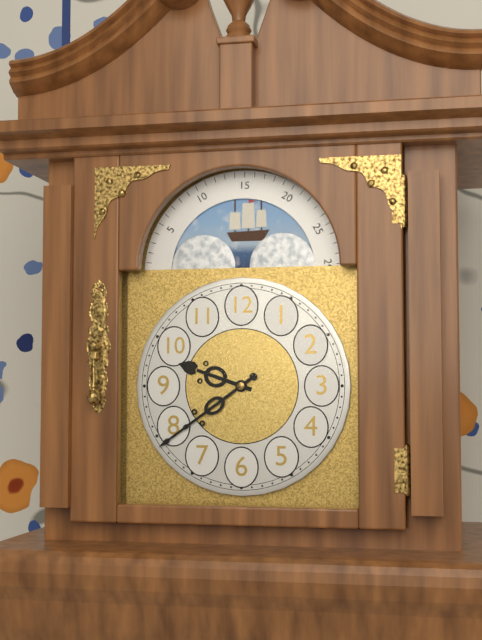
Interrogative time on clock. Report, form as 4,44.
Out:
9,39
